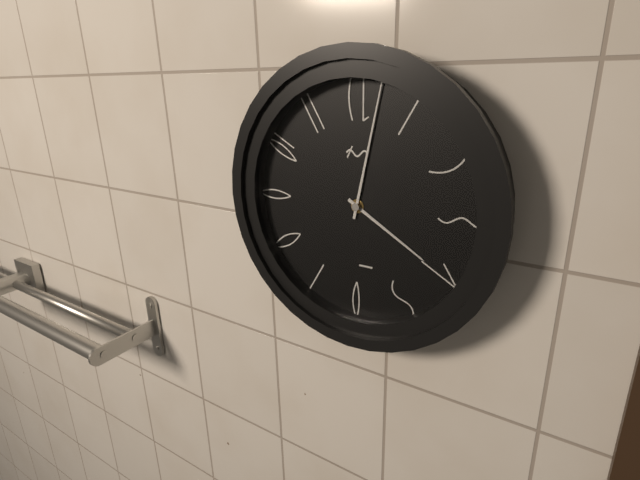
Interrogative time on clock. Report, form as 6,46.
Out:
4,02
